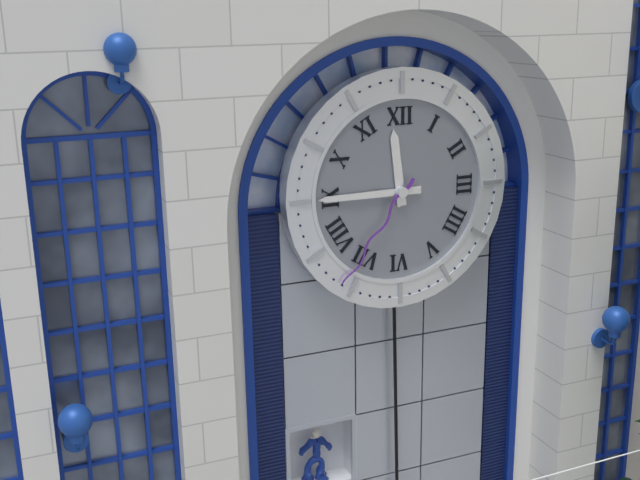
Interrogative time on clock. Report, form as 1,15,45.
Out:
11,45,36
